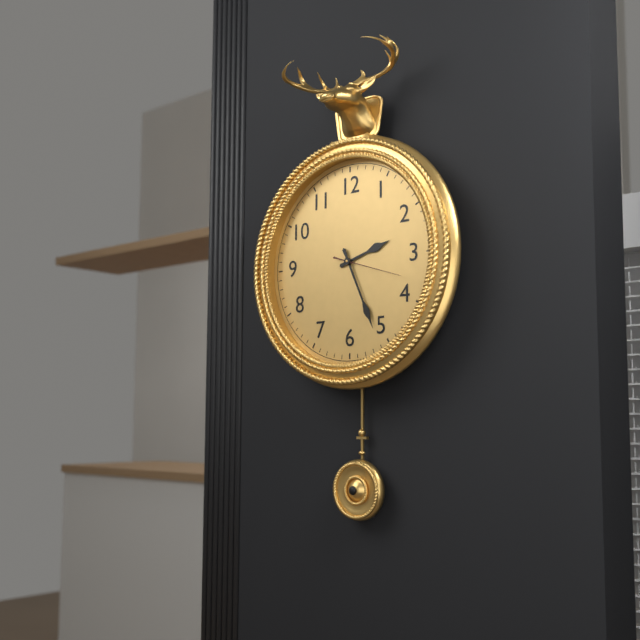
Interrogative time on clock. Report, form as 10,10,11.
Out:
2,26,18
